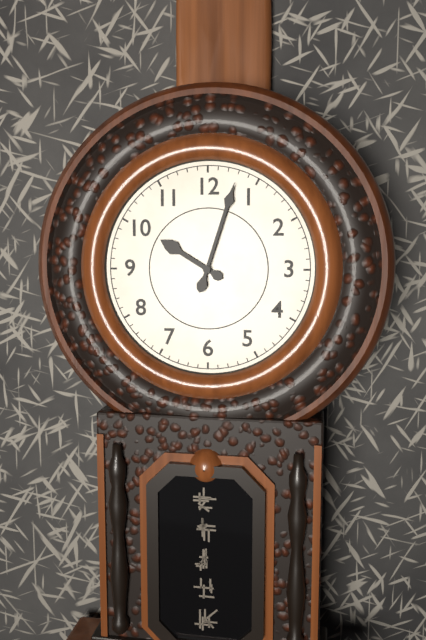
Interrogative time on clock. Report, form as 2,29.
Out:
10,03
